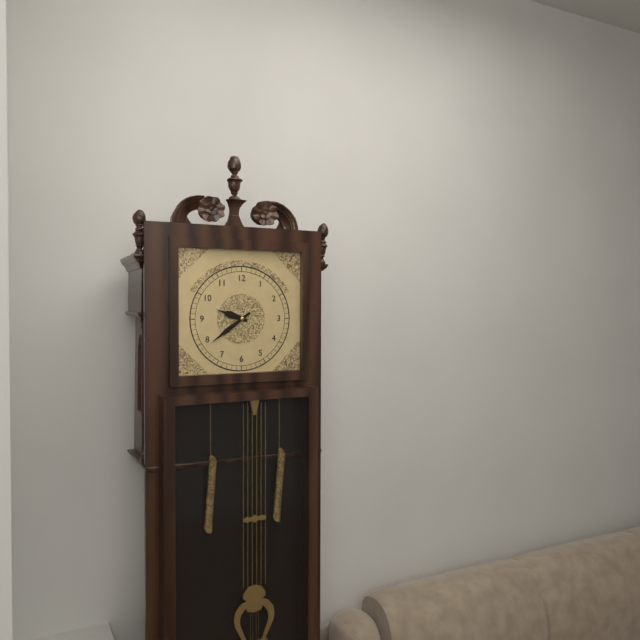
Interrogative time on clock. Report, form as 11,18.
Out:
9,39
